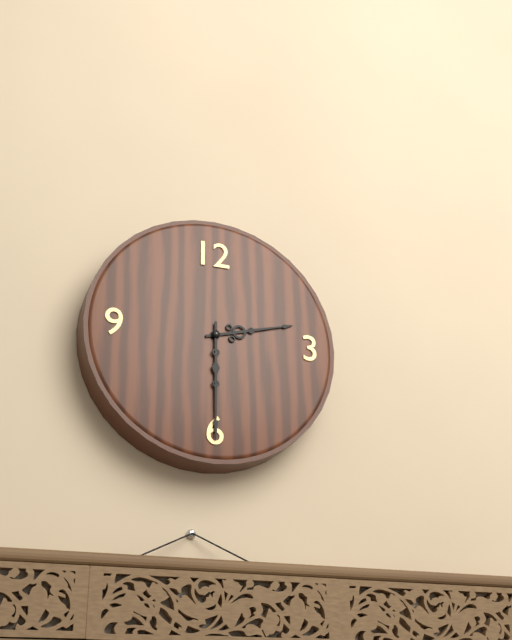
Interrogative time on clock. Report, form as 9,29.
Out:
2,30
